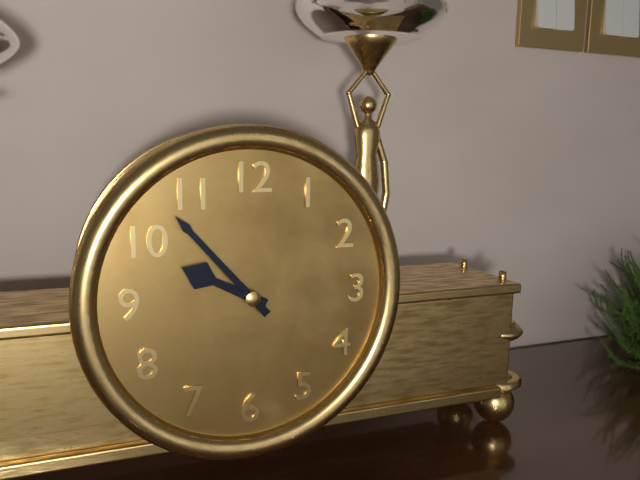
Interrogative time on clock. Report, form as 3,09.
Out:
9,53
